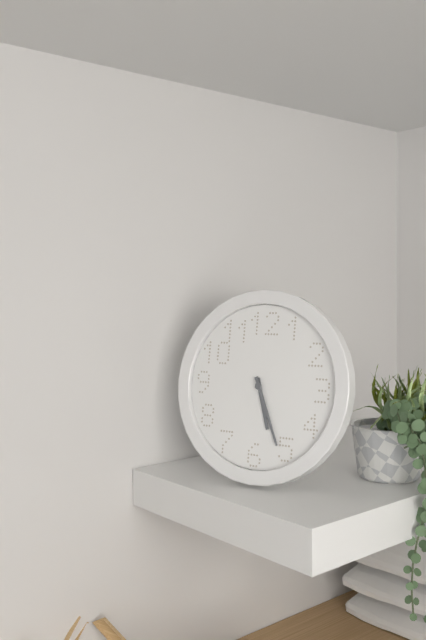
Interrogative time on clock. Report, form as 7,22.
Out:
5,26
